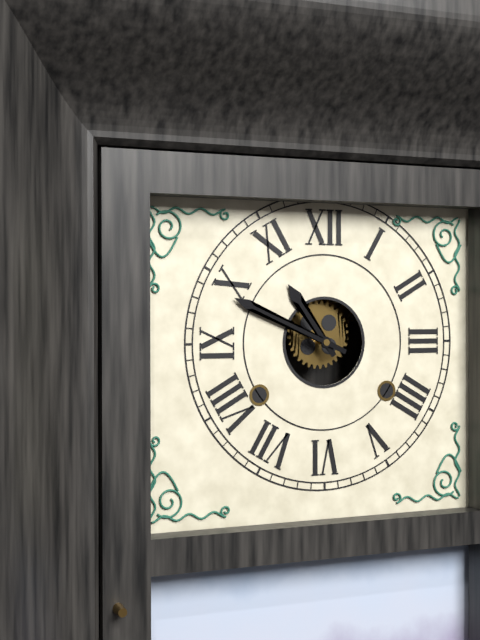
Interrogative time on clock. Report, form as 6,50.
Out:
10,49
